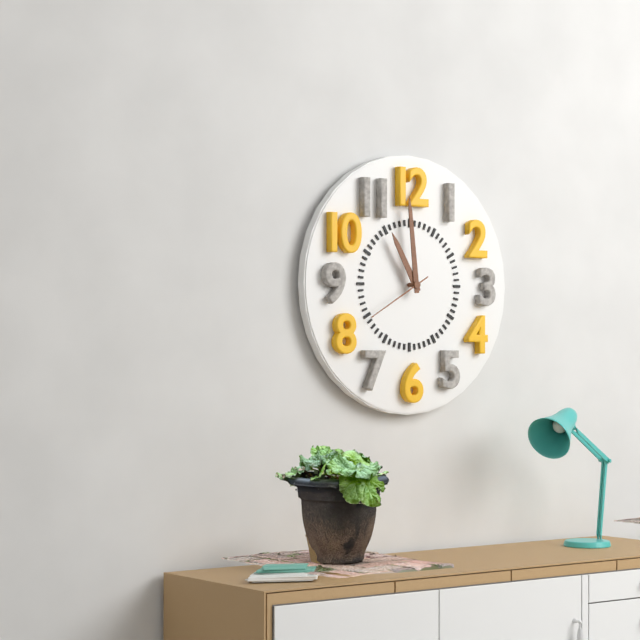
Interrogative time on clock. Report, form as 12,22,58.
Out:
10,59,40
